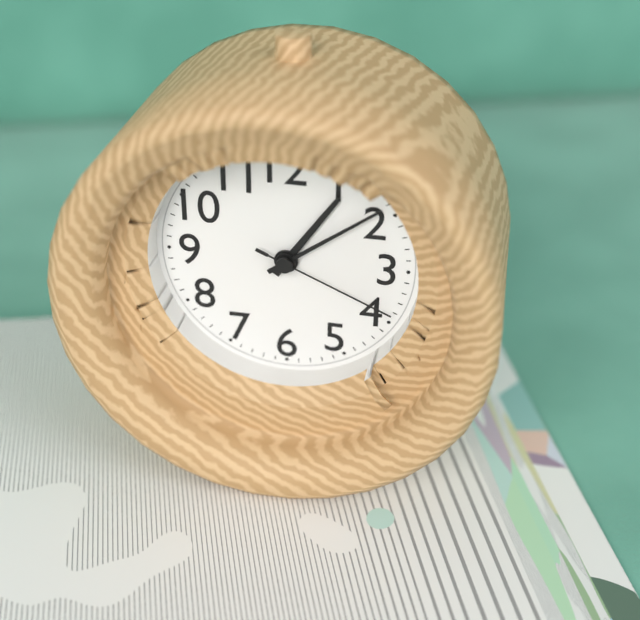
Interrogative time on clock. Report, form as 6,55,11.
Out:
1,09,19
